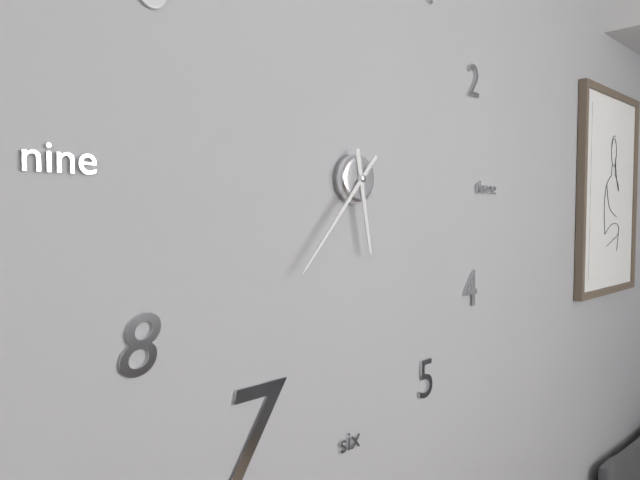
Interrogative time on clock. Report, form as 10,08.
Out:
5,37
